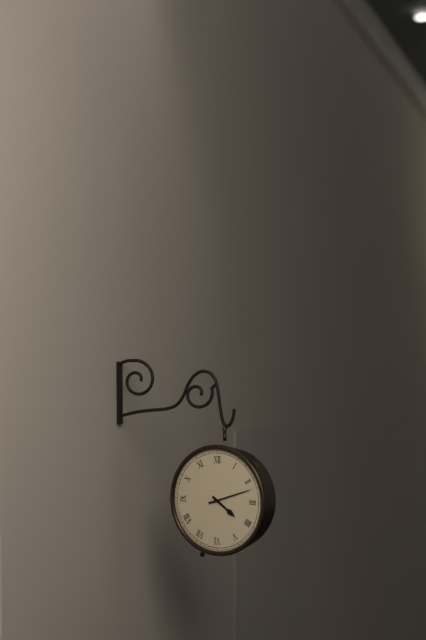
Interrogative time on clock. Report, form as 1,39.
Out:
4,12
